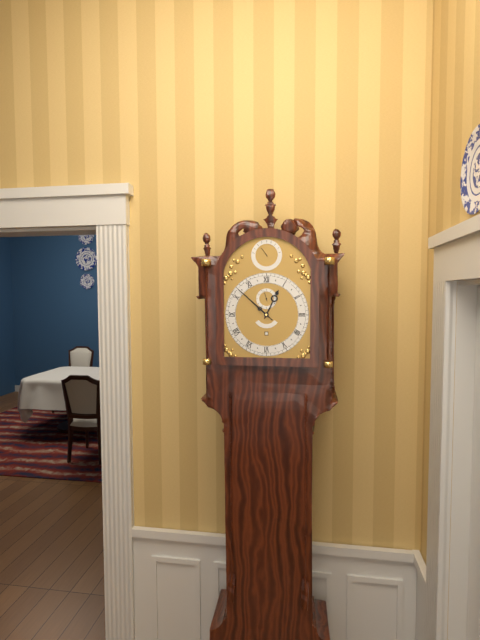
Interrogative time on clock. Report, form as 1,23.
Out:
12,52
